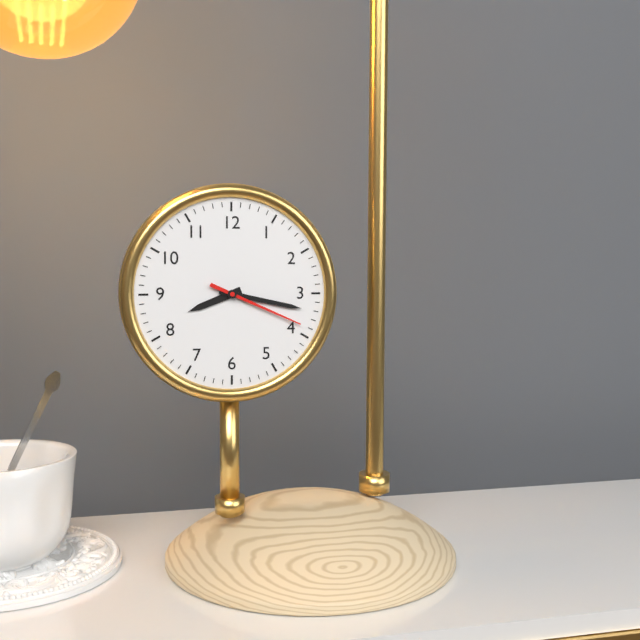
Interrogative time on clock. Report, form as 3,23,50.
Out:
8,17,19
